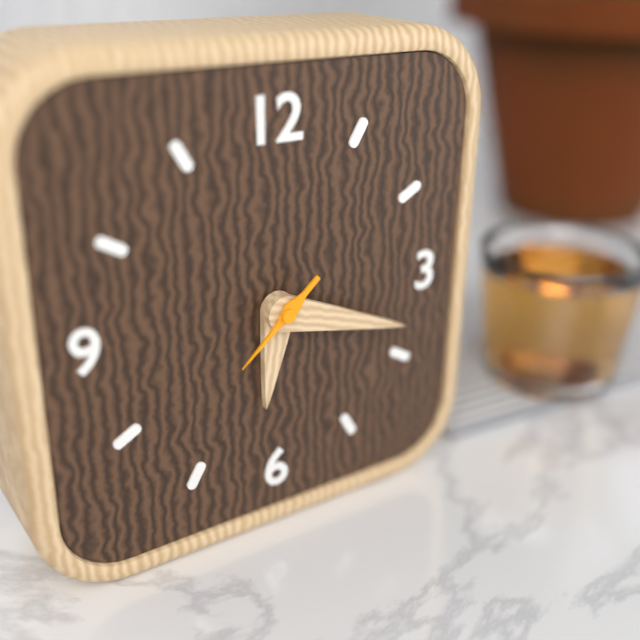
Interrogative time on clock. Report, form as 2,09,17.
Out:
6,18,38
